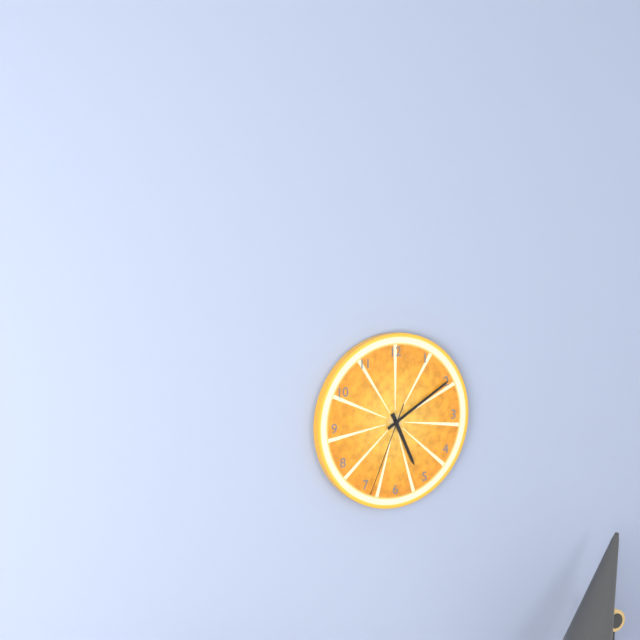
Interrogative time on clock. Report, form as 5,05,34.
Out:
5,10,34
